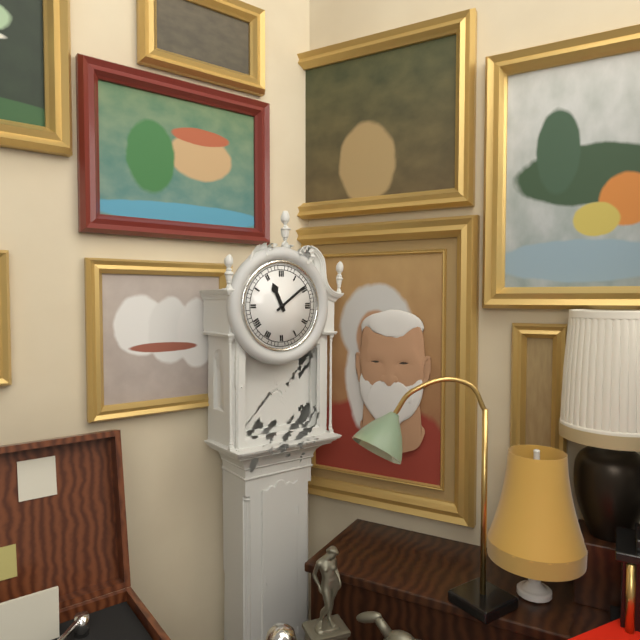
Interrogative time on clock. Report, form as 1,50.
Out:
11,09
